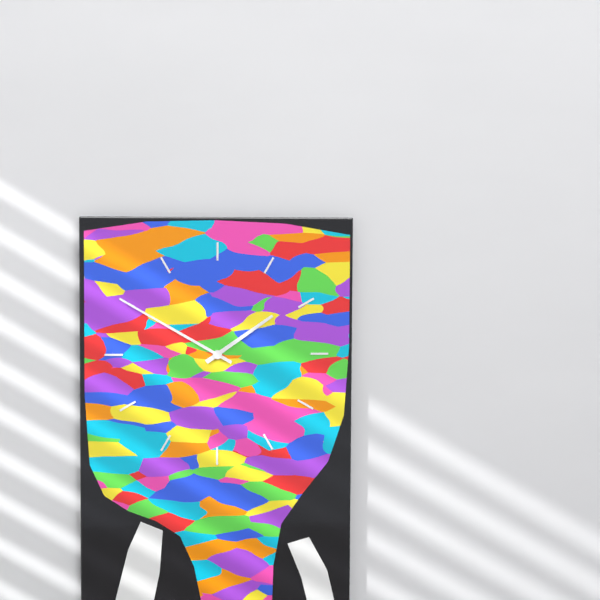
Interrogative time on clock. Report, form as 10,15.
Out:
1,50
